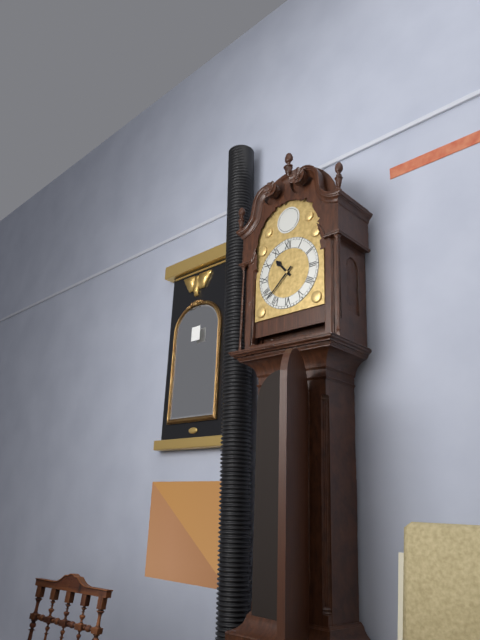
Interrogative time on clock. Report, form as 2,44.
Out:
10,38
